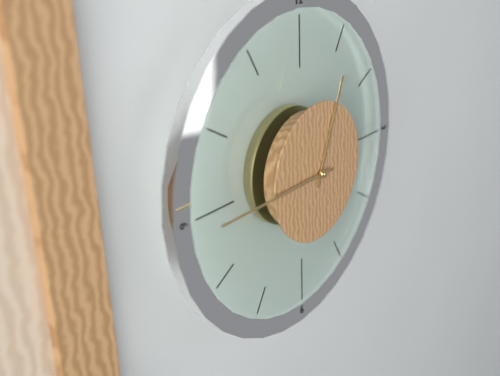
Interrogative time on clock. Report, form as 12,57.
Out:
12,45
